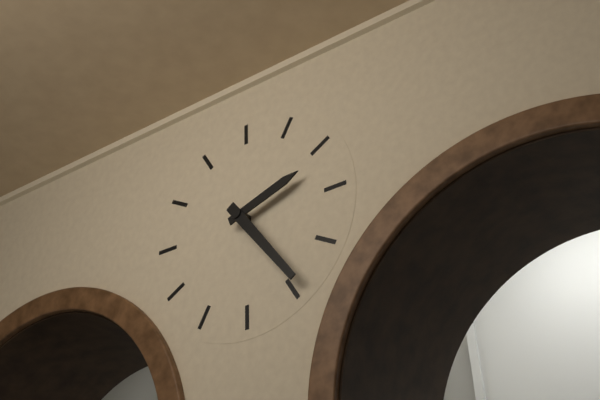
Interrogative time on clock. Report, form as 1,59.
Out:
2,24
